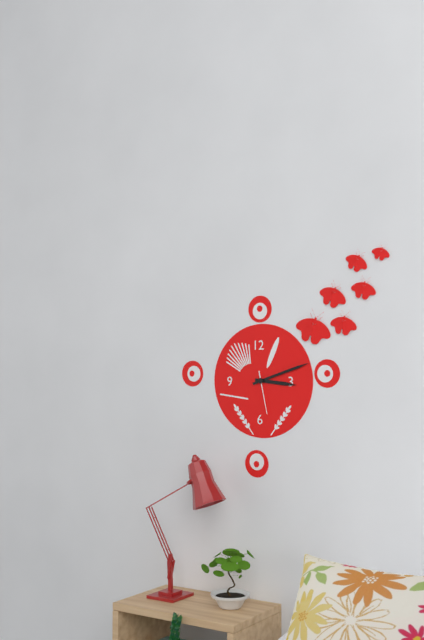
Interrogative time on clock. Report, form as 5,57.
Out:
3,12
